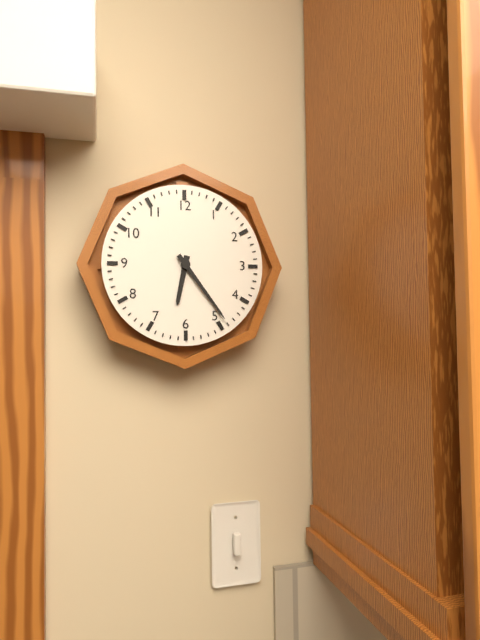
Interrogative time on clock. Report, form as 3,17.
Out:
6,24
